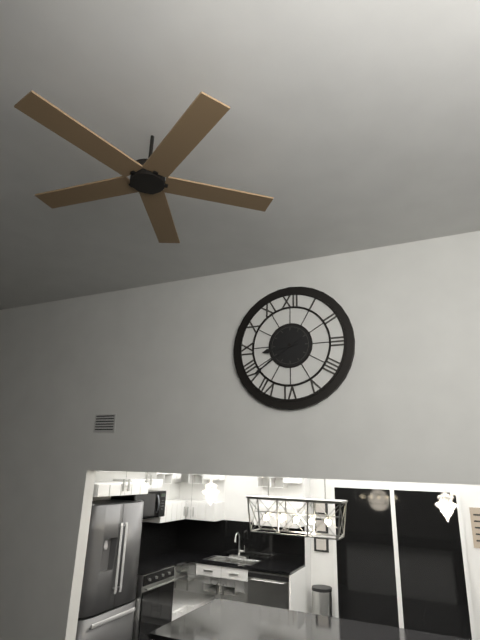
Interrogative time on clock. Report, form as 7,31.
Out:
8,39
